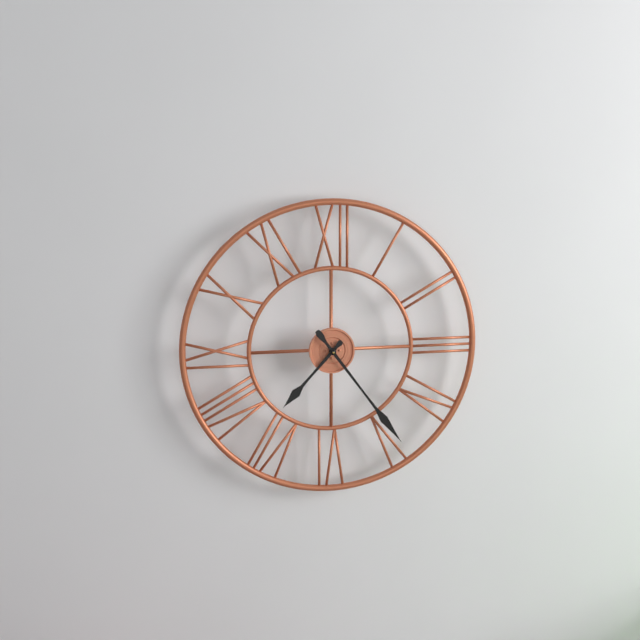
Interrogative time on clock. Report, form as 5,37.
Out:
7,24
